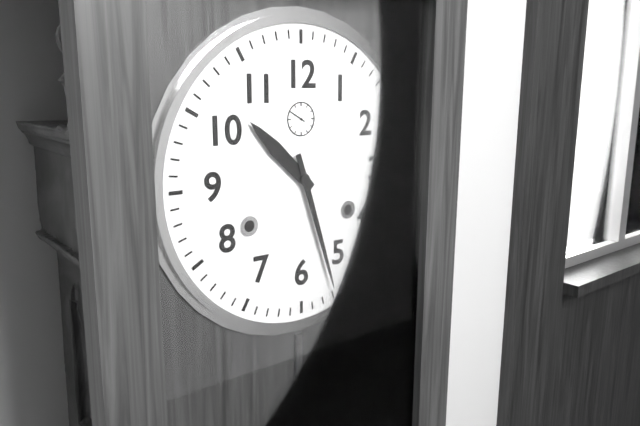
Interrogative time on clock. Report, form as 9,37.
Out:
10,27
